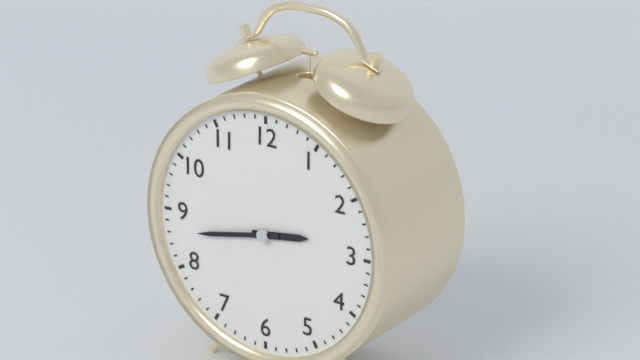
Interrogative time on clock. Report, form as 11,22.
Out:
2,43
